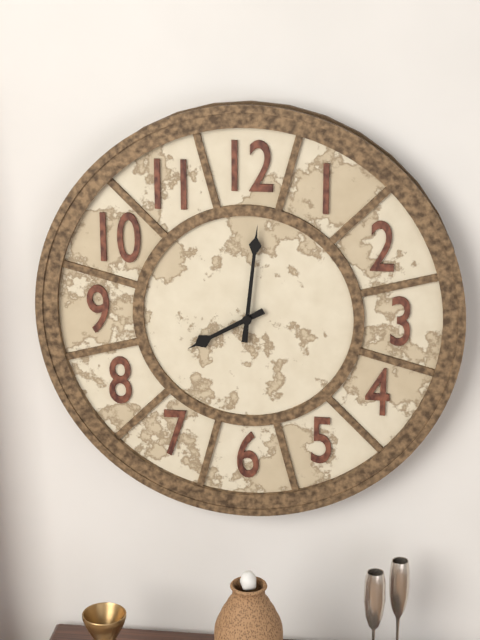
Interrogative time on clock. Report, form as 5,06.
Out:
8,01
